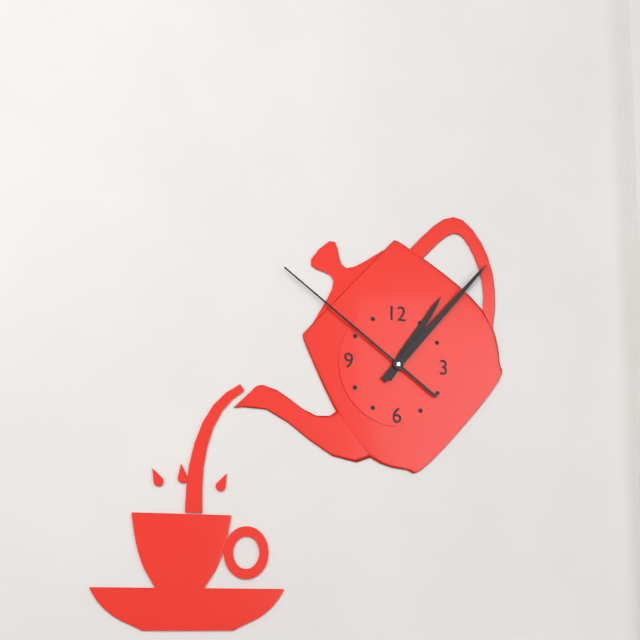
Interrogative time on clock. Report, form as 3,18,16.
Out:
1,07,51
